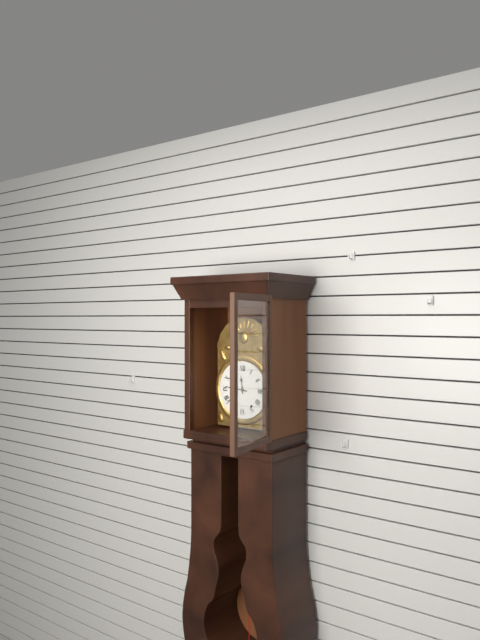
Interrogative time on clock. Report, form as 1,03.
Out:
11,46
